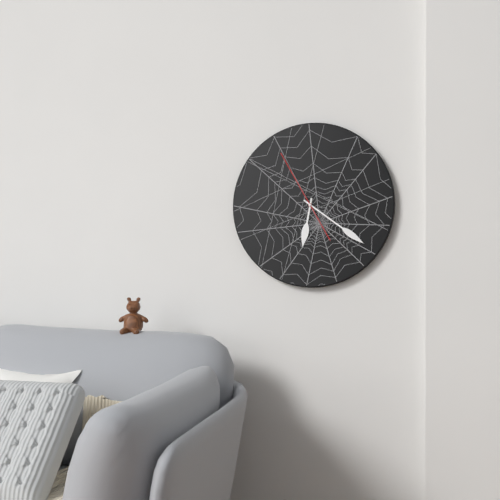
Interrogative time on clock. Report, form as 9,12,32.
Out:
6,21,55
